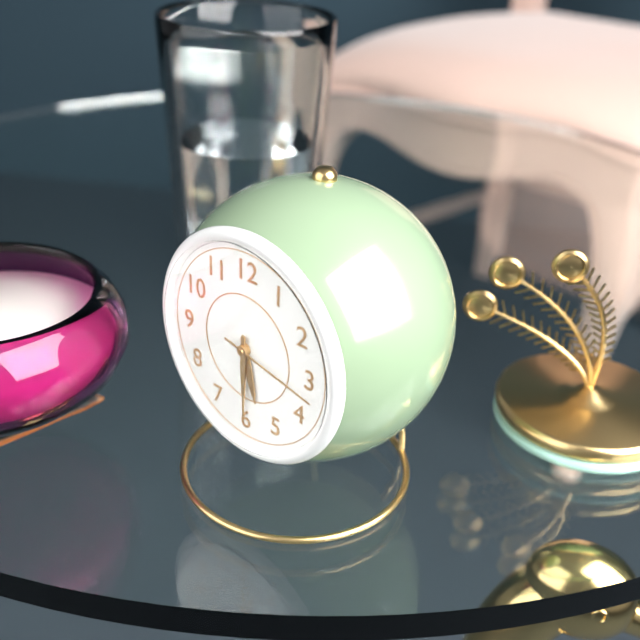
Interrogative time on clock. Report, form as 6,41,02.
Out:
5,30,17
